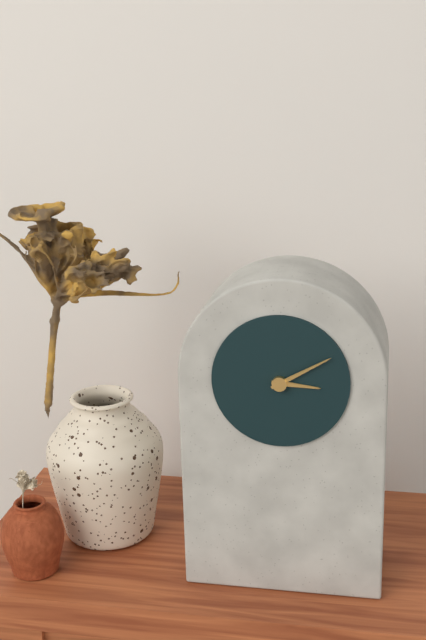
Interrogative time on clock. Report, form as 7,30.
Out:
3,10
